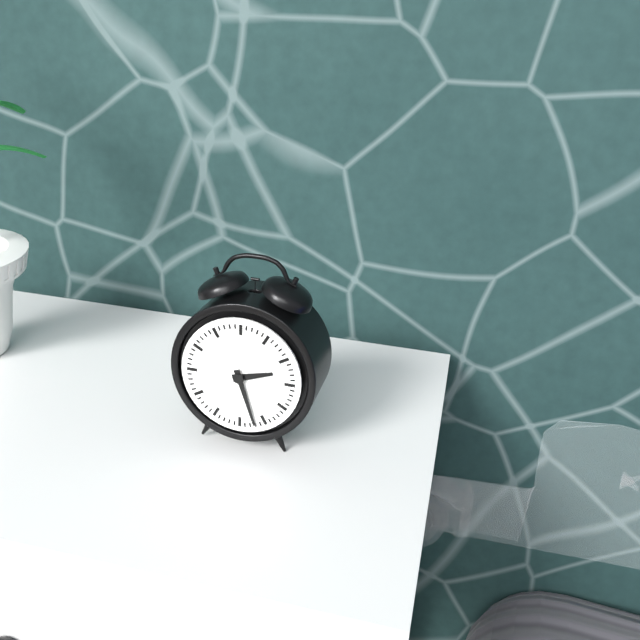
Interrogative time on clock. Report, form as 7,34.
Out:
2,27
